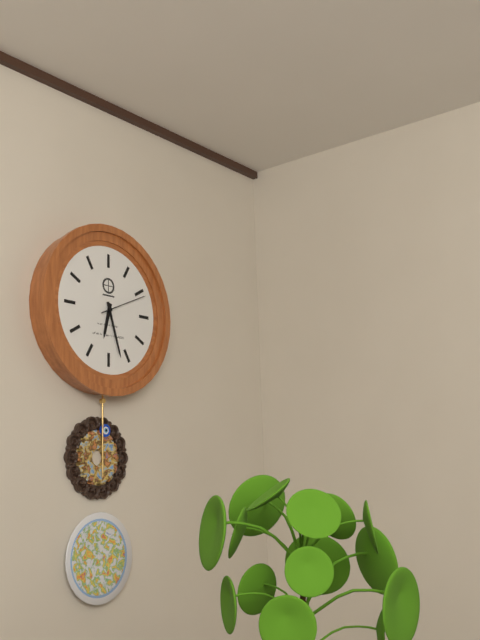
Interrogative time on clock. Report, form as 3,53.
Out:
6,27
